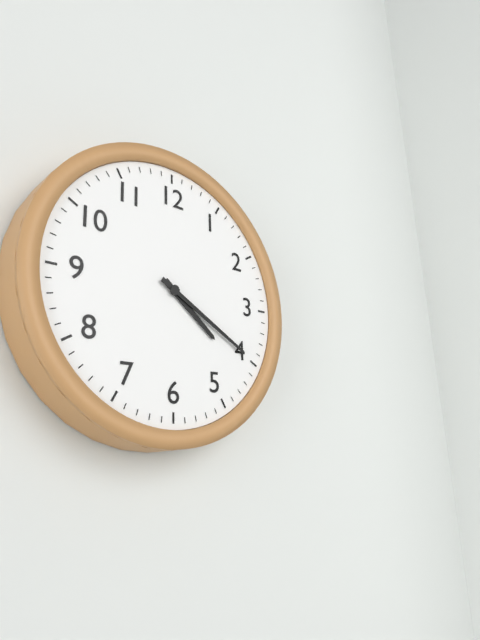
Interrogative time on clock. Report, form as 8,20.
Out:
4,20
